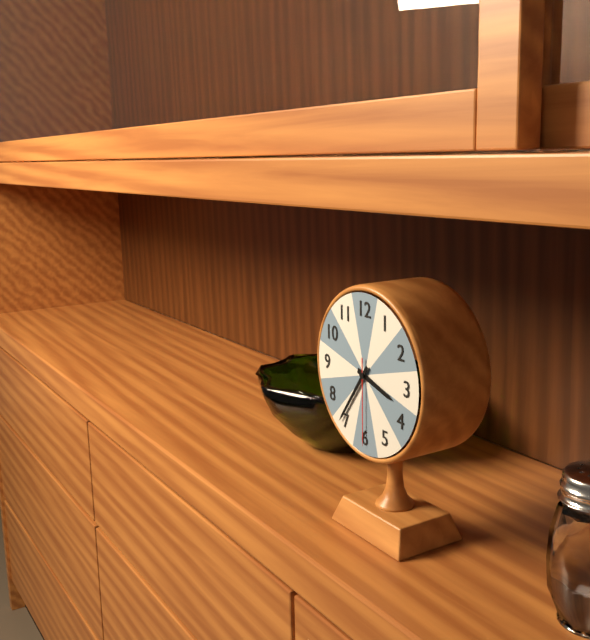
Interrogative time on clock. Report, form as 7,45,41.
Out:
3,36,30
